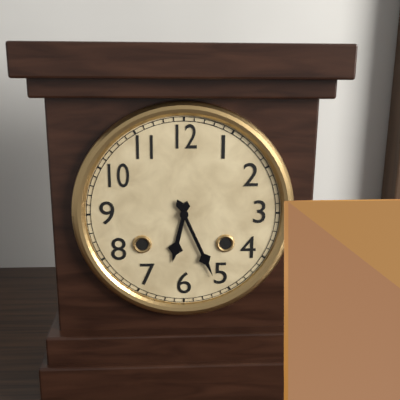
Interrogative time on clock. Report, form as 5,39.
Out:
6,26
